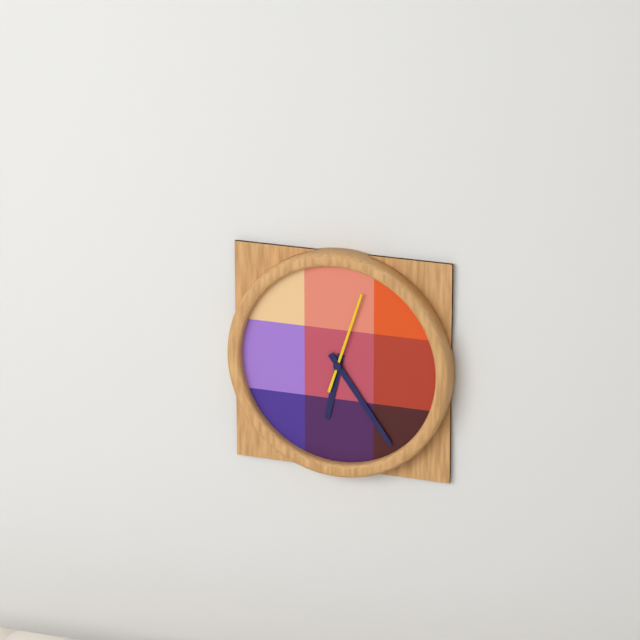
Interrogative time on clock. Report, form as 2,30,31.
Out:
6,24,03
